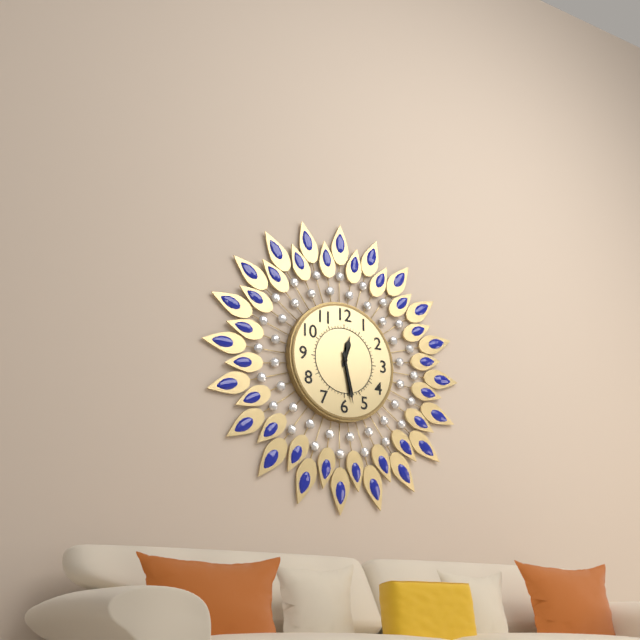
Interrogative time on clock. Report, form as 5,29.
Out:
12,28
